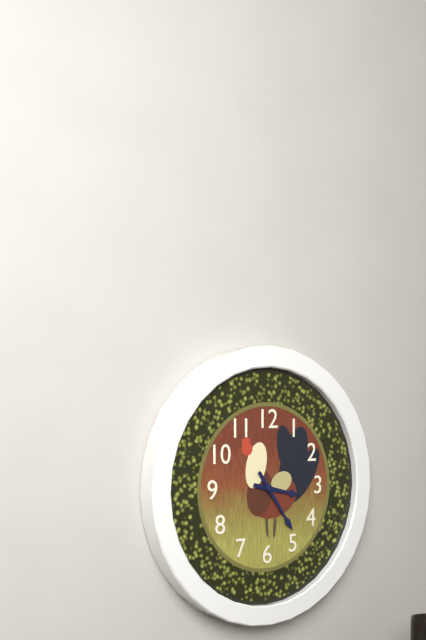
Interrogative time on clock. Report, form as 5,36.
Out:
3,24
